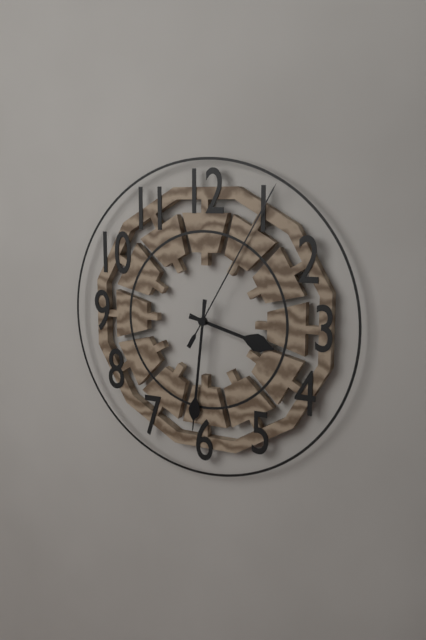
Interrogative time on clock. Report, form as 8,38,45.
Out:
3,31,05
